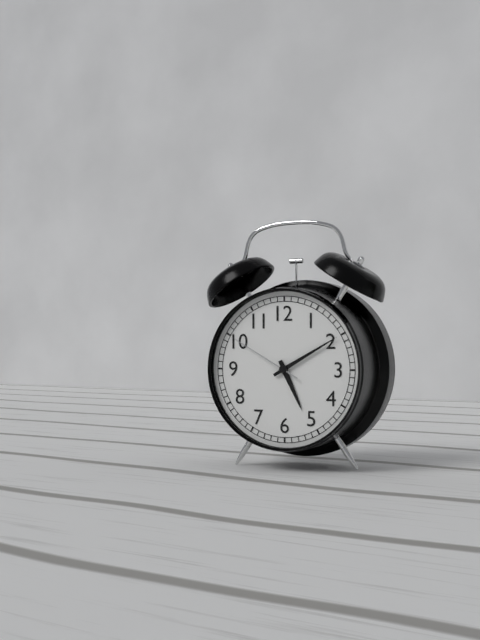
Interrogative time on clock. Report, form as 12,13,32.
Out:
5,10,50
